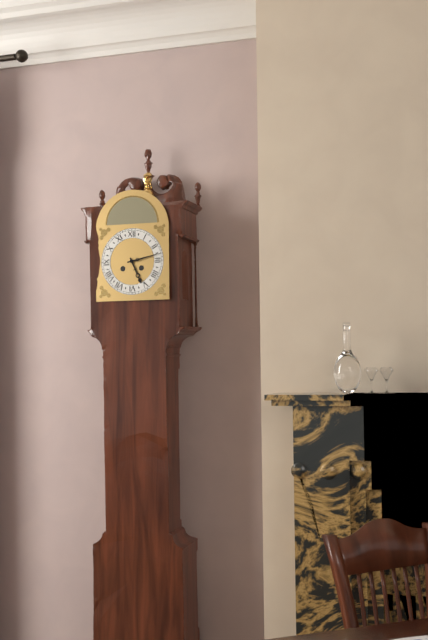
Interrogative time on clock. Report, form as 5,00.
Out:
5,13
